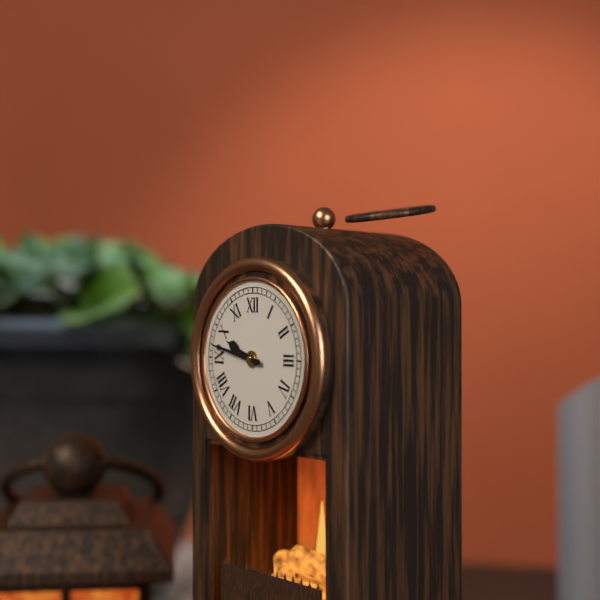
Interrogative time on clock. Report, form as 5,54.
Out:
9,47
